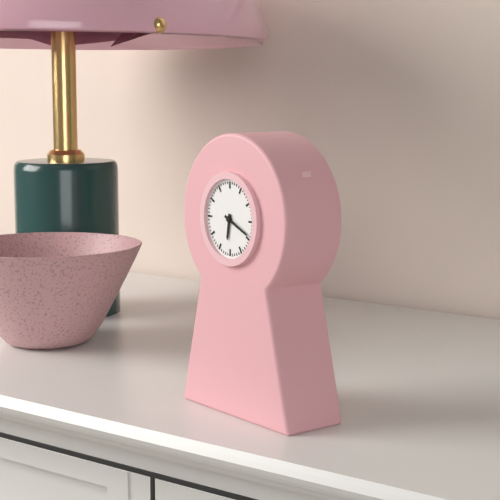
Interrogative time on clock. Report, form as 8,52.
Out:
6,19
